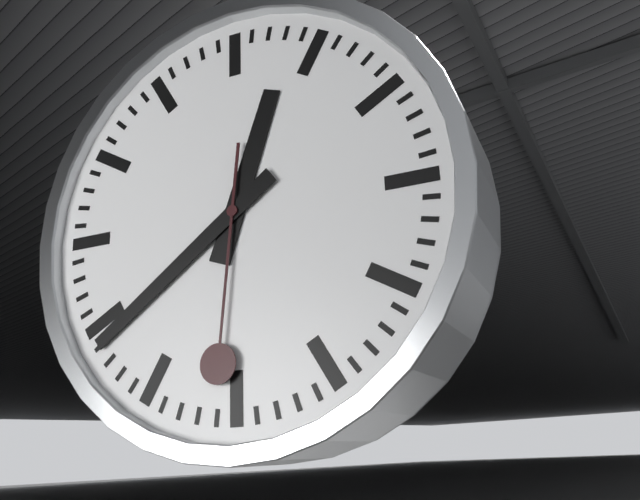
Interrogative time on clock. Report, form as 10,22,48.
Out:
12,39,31
